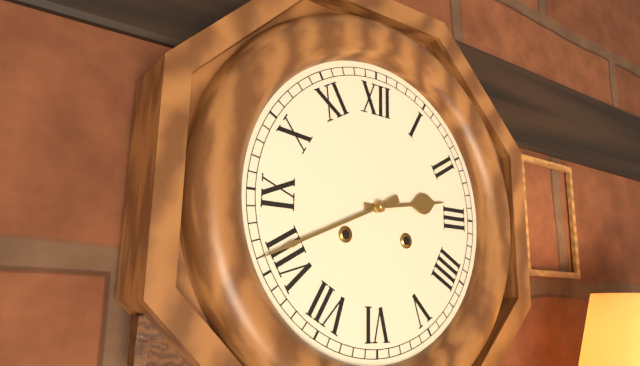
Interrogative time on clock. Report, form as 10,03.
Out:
2,41
